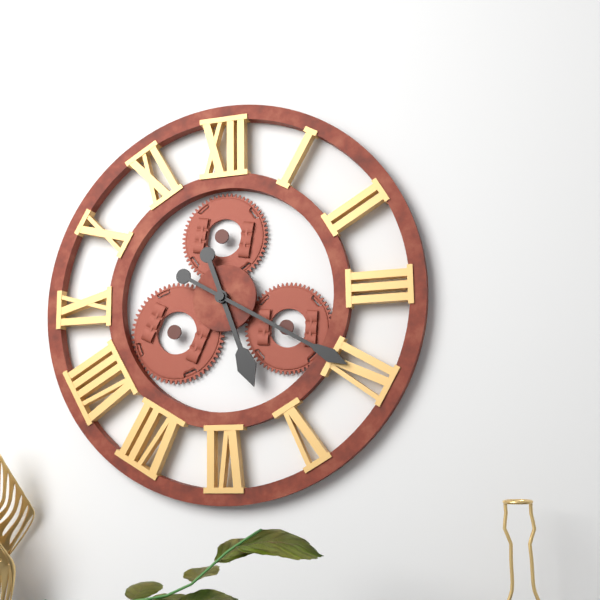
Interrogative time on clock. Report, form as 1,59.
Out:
5,20
